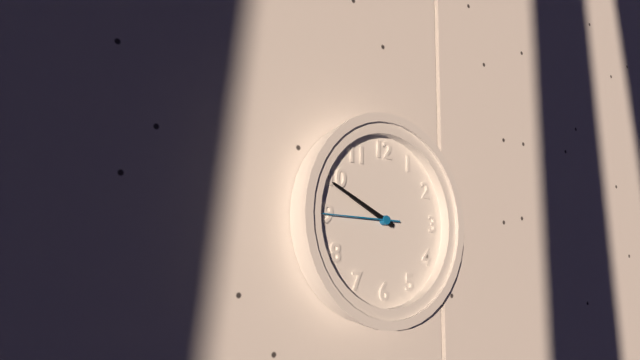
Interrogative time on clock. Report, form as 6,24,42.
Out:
9,49,45
